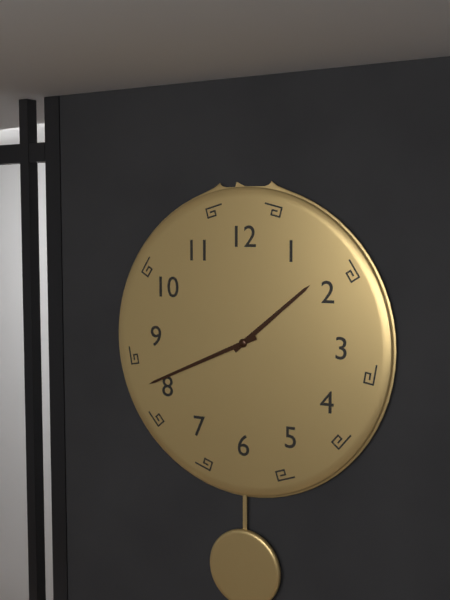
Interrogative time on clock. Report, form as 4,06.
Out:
1,41
